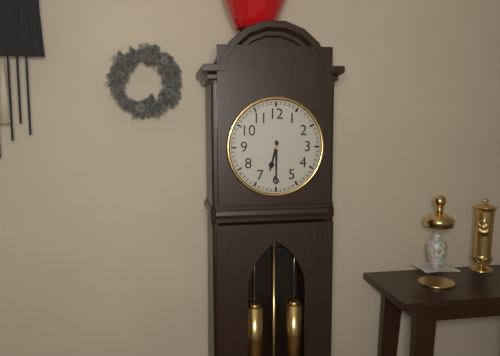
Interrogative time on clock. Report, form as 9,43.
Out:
6,30
